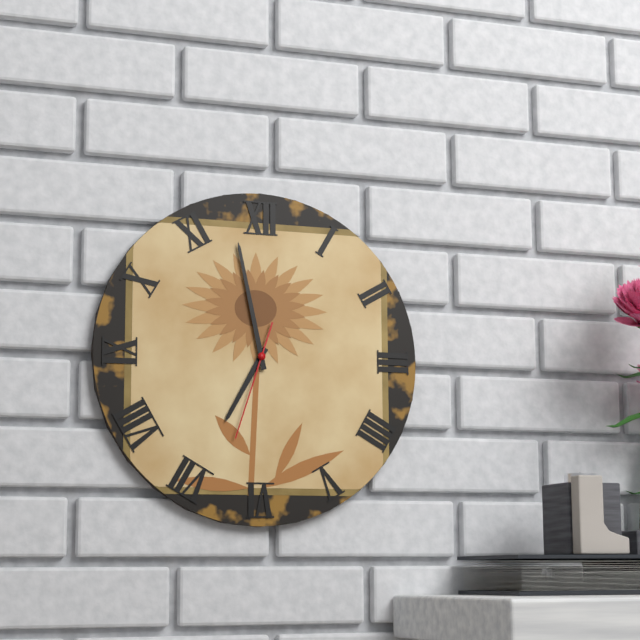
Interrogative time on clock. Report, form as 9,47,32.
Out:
6,58,33
